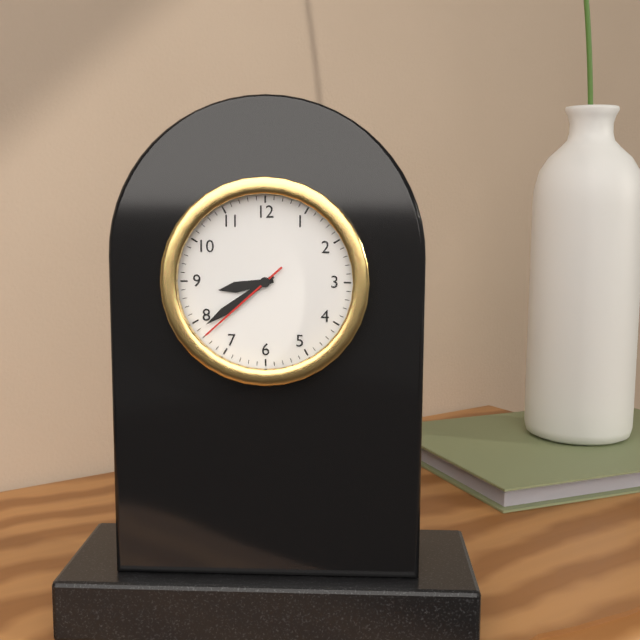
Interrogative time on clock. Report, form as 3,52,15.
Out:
8,39,38
